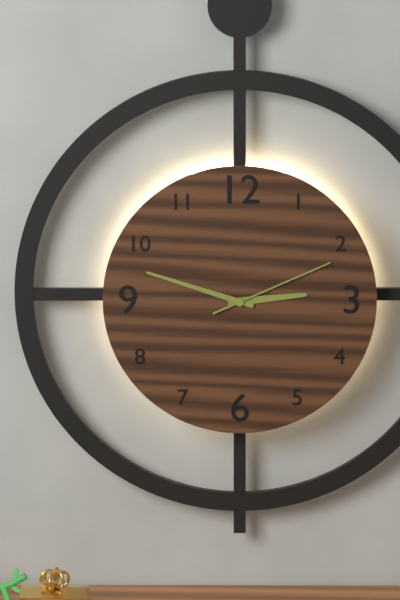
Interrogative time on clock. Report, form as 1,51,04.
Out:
2,48,11
